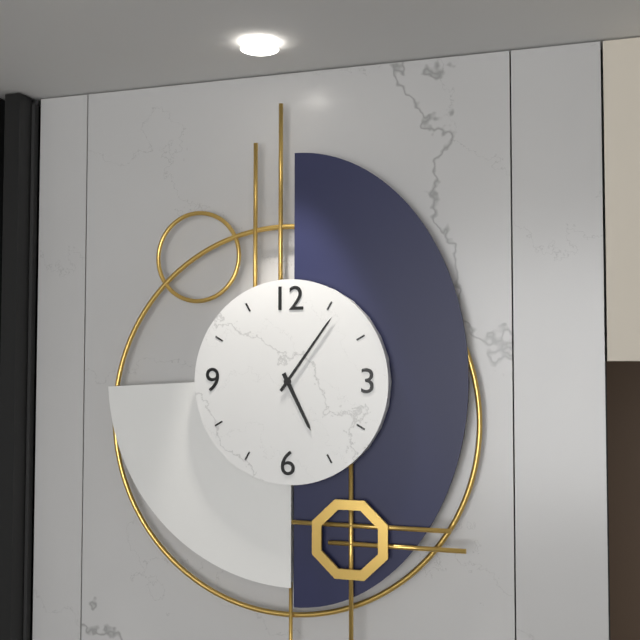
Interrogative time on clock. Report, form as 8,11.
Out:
5,06
